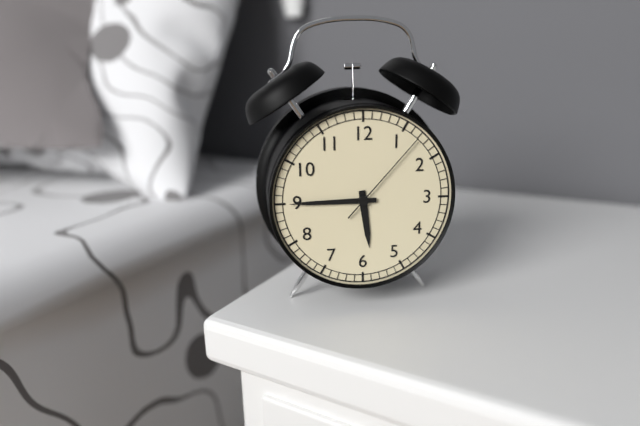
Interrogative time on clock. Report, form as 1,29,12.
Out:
5,45,07
